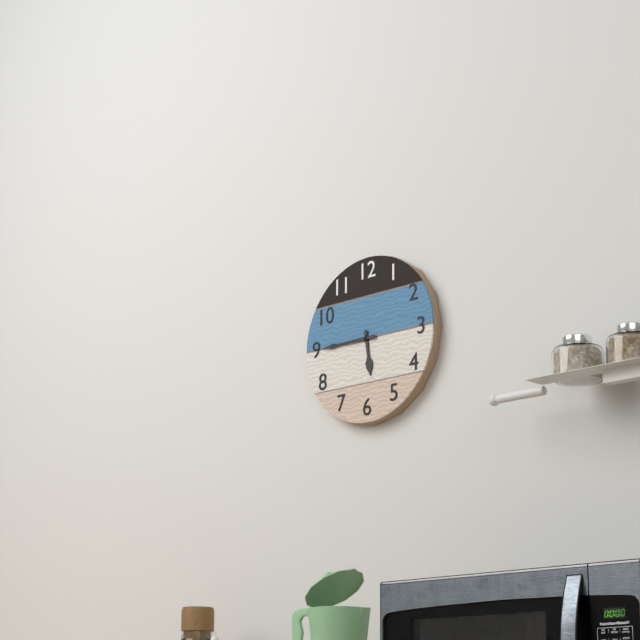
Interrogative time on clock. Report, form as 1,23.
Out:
5,45
